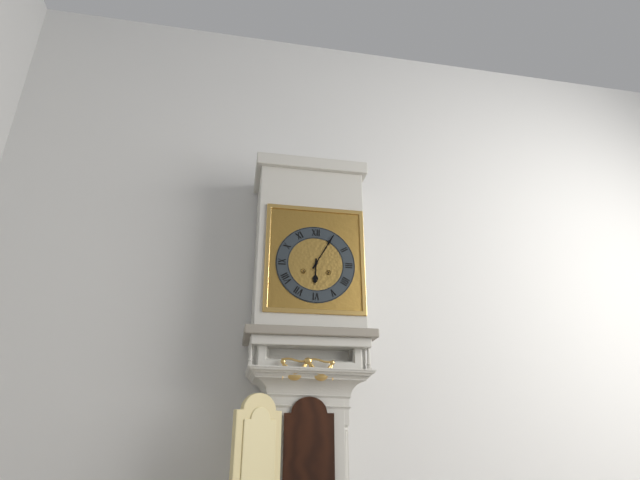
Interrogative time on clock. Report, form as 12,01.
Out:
6,05
